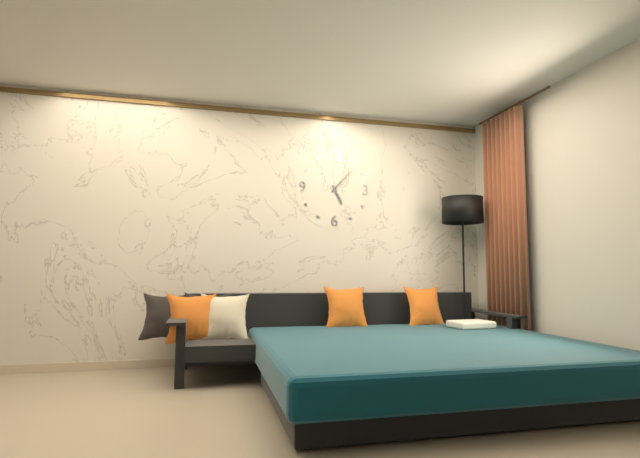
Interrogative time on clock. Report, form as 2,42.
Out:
5,07
